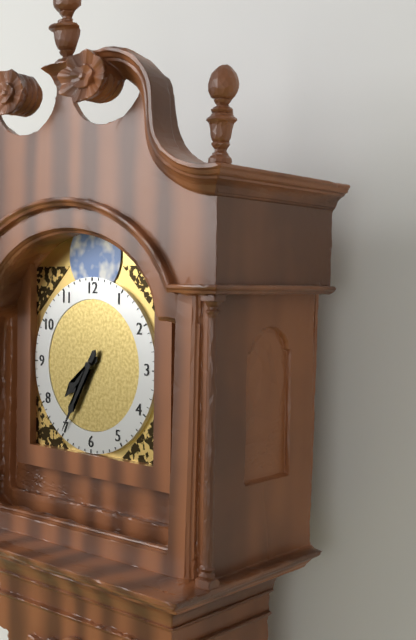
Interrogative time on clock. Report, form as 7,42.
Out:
7,35
